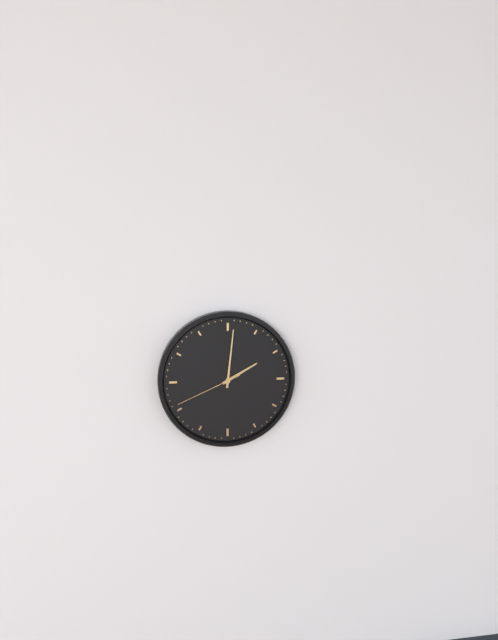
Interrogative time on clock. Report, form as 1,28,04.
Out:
2,01,41
